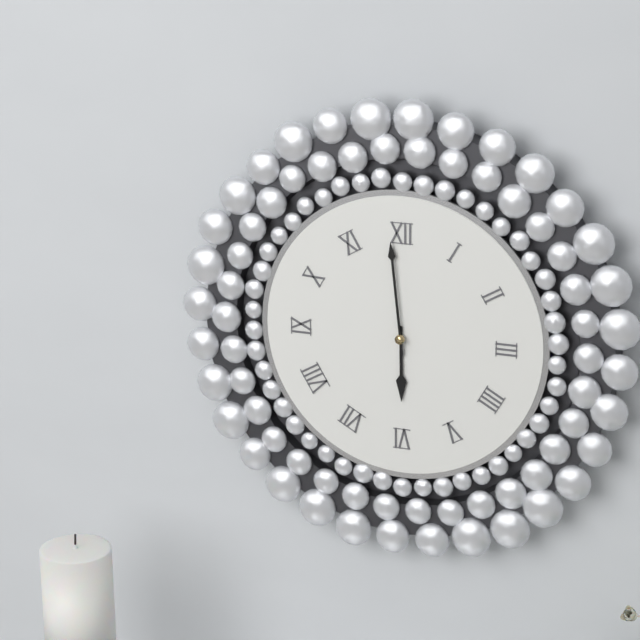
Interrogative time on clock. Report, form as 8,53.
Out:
5,59
